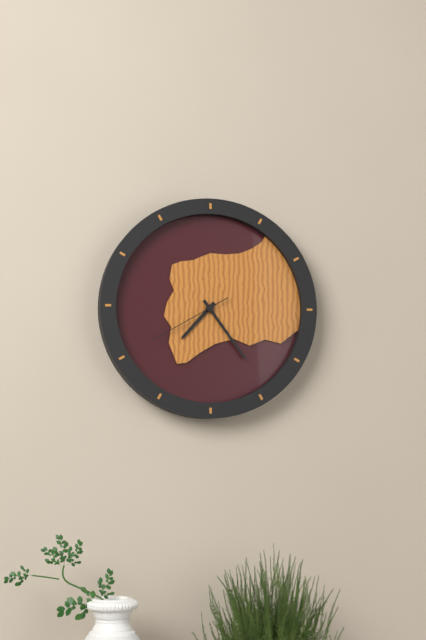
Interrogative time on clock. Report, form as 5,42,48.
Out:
7,24,40
